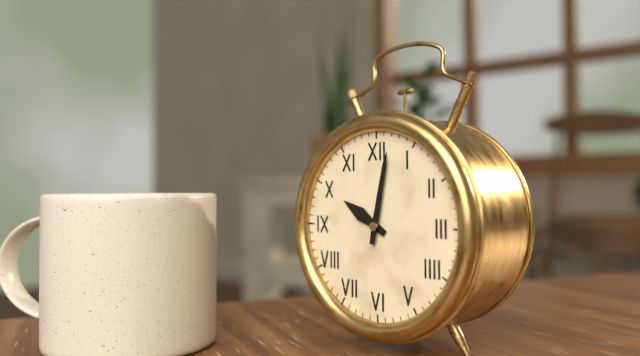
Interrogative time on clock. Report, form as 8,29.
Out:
10,02
